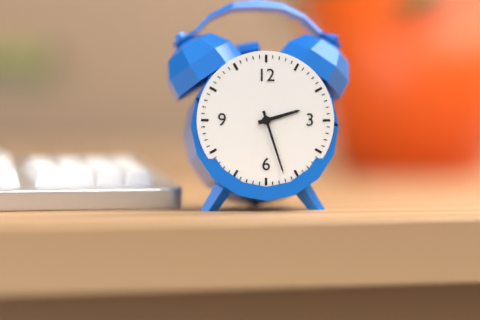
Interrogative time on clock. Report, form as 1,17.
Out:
2,27
